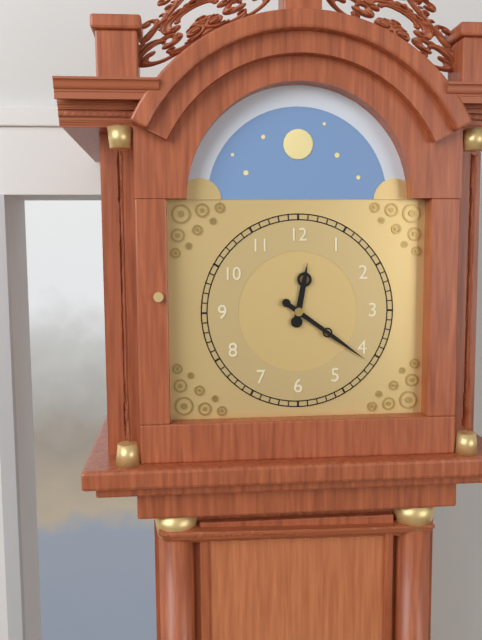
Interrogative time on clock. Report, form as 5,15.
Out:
12,21
